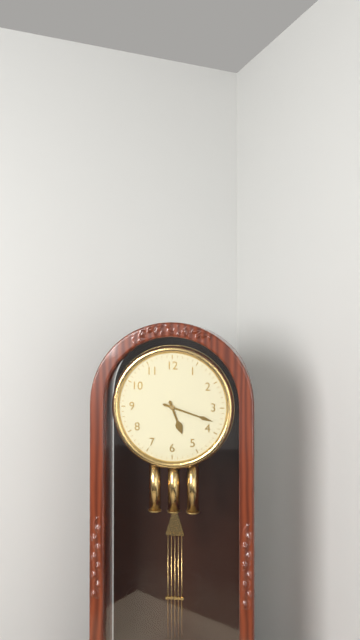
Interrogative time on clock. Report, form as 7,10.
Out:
5,18
